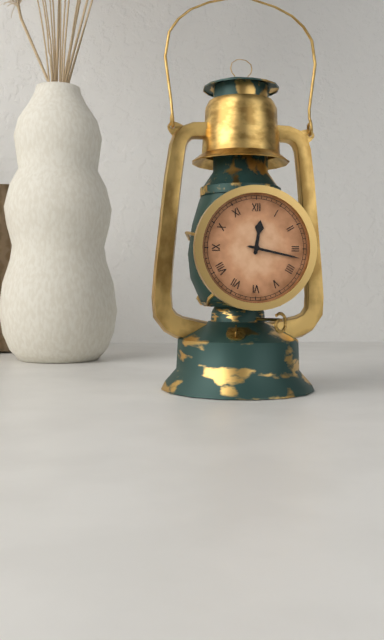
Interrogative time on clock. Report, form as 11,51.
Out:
12,17
